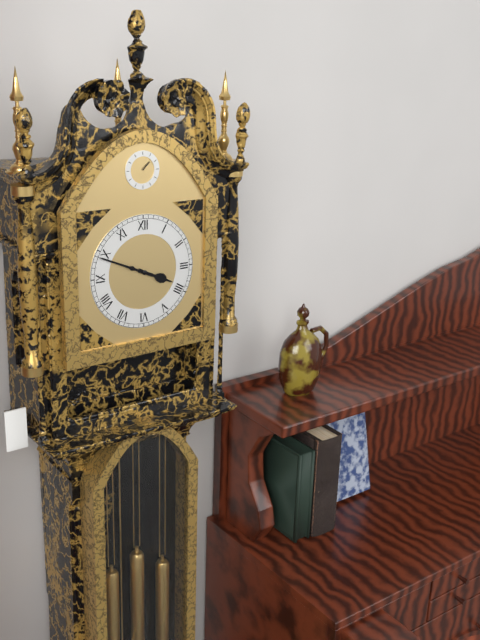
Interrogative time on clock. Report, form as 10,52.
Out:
3,49
